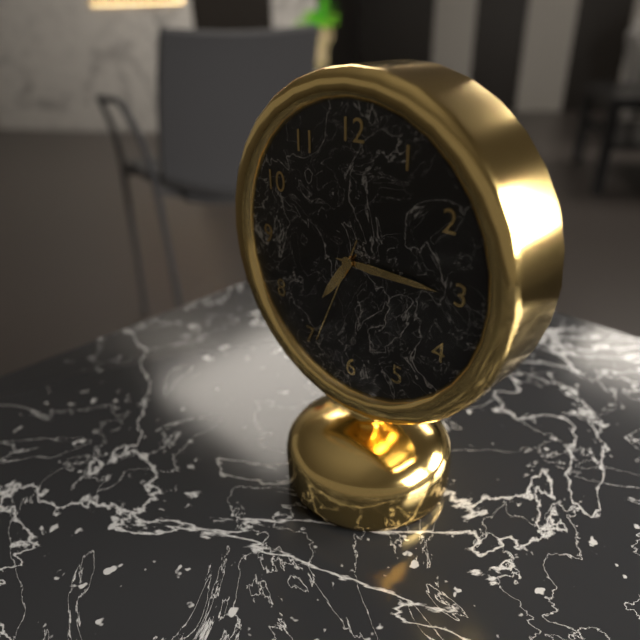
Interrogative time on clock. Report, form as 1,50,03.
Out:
7,15,34
